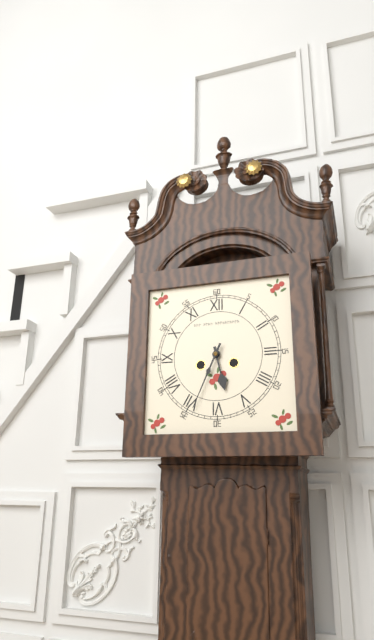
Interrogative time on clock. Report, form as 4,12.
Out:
5,34
